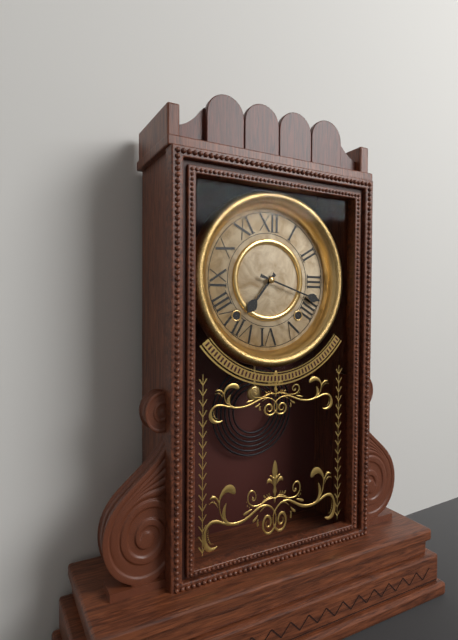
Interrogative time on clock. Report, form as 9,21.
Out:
7,18
